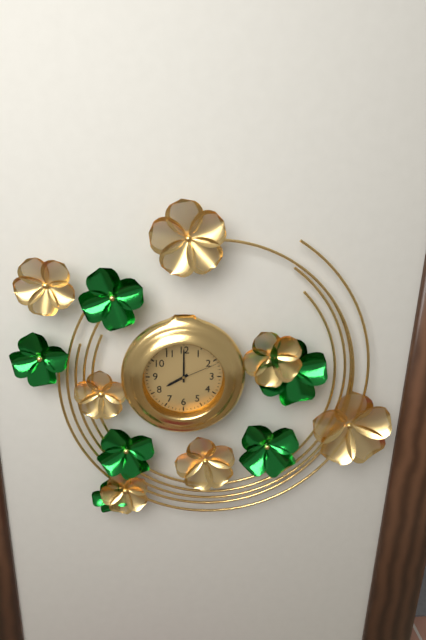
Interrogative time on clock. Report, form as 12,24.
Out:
8,00
